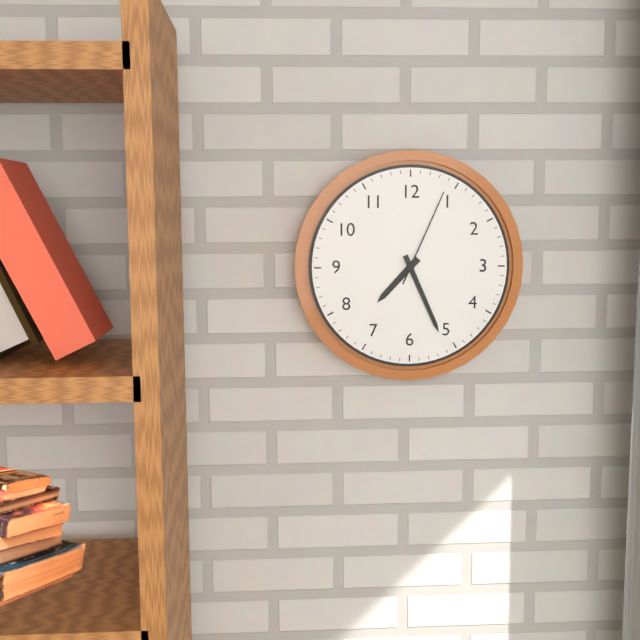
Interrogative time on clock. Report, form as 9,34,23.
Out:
7,26,04
